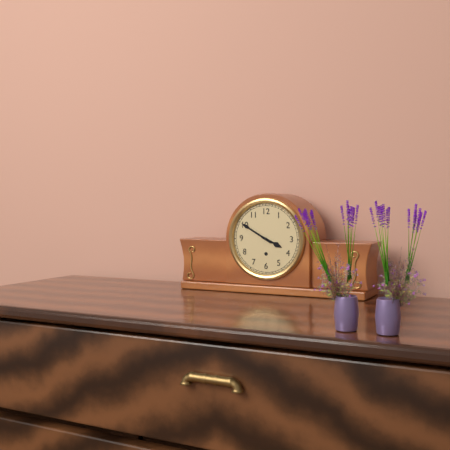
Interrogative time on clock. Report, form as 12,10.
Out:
3,50
